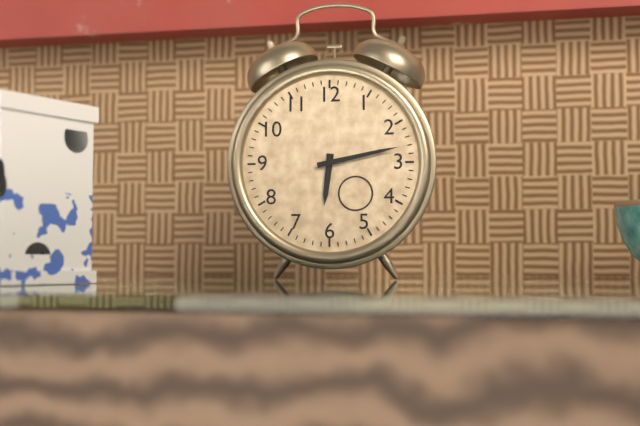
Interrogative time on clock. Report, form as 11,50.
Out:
6,13
